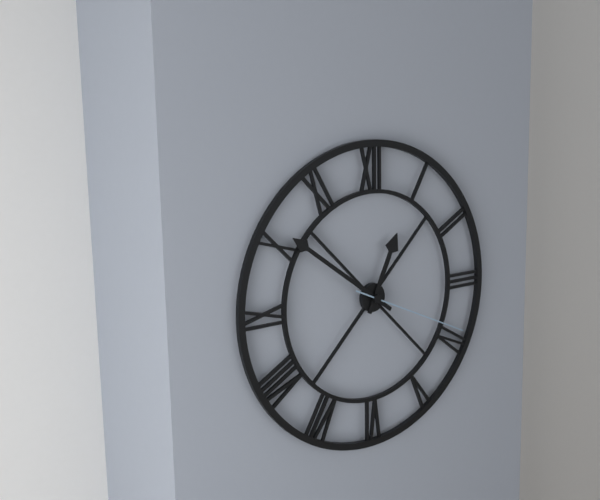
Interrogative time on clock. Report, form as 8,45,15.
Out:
12,51,19
